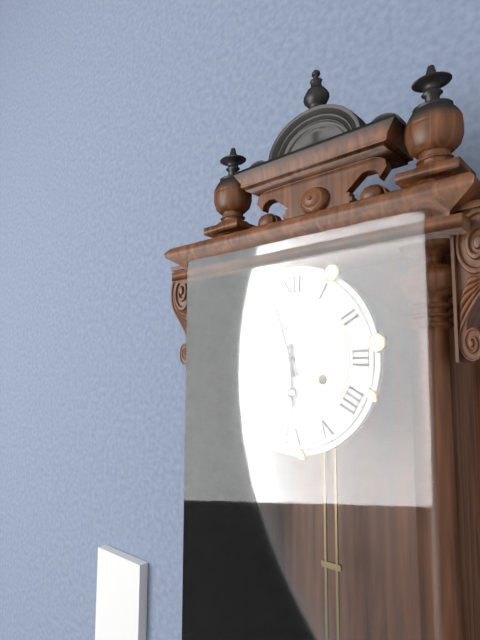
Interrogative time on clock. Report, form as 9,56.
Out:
5,57
